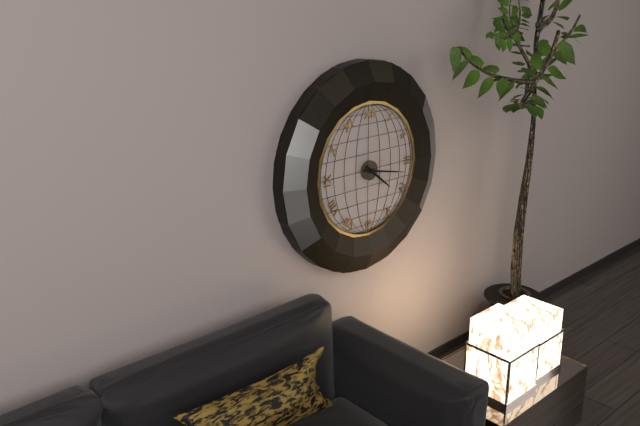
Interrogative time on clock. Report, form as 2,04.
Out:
4,17
